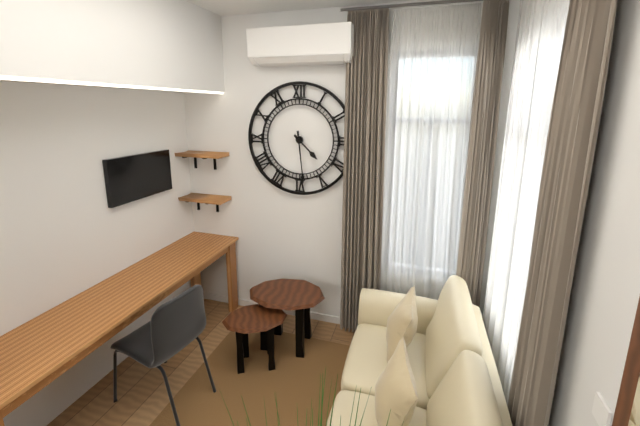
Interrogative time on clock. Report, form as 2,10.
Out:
4,29
